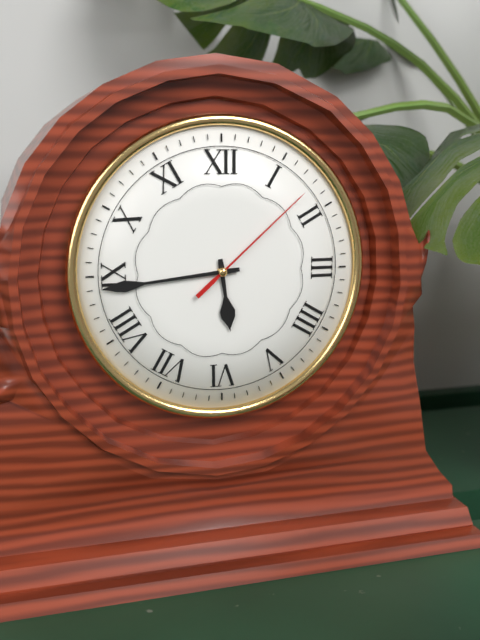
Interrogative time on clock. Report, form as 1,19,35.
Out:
5,44,08
